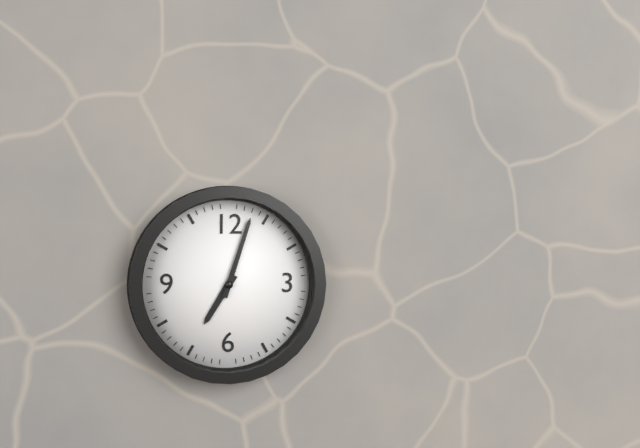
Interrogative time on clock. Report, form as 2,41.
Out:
7,03
